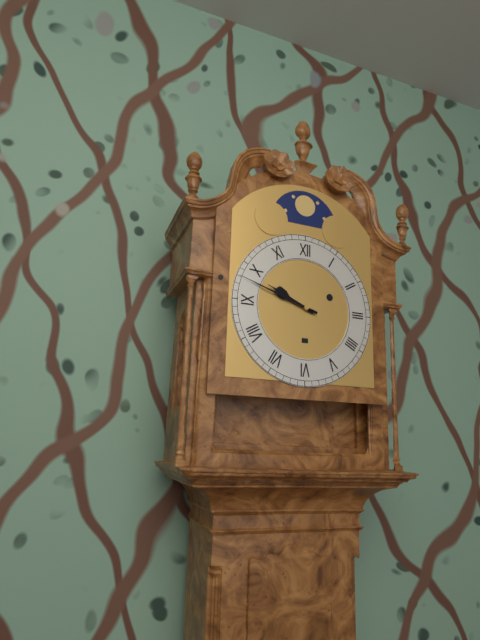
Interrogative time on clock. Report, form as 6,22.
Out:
9,48
